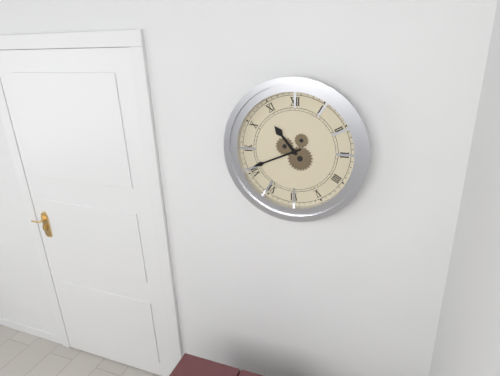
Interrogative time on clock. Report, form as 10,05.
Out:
10,41
